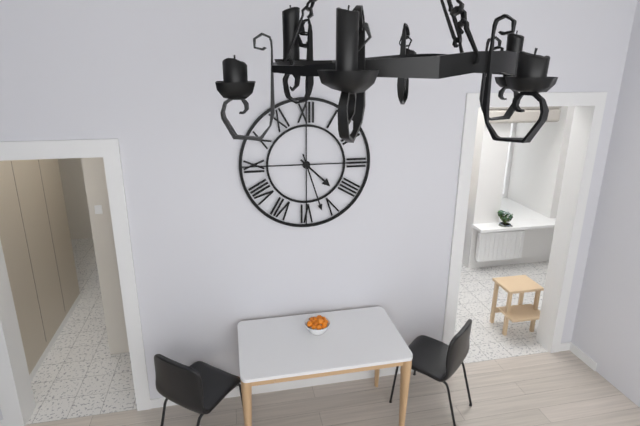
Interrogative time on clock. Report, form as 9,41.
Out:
4,27
